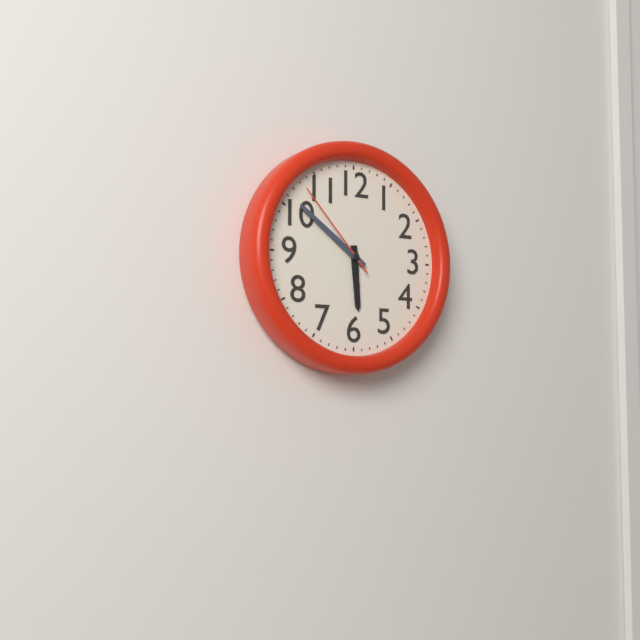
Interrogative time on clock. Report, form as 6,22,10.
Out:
5,51,53
